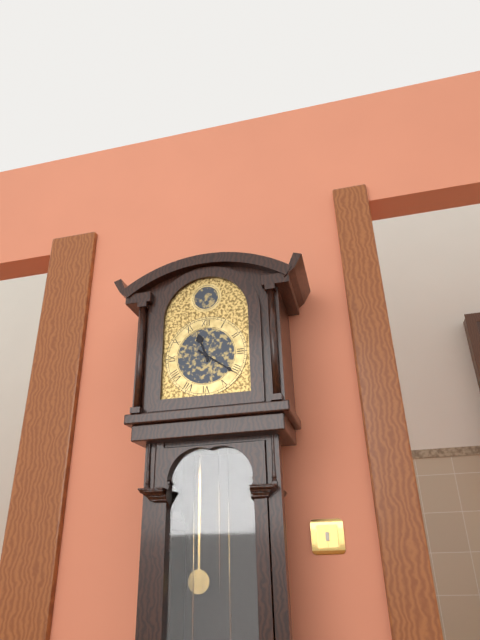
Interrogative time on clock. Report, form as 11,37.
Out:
11,21
